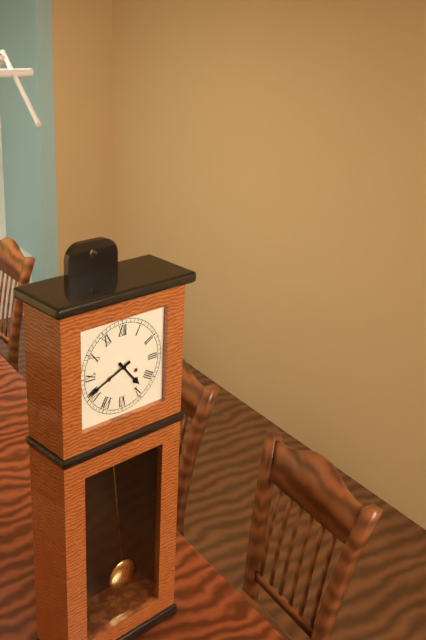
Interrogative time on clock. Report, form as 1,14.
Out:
4,41
